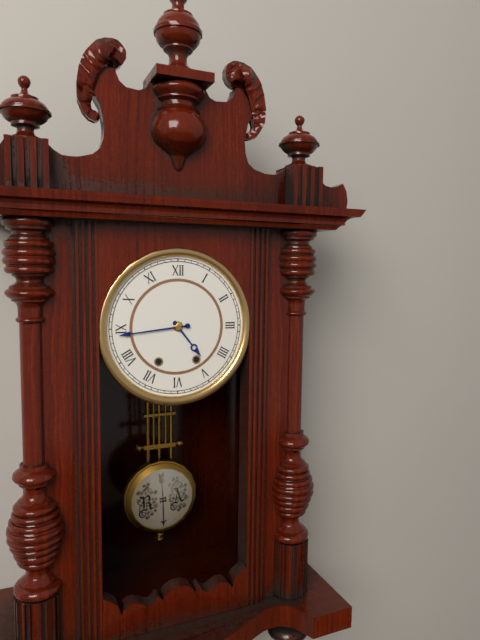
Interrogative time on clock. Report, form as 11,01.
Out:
4,44
